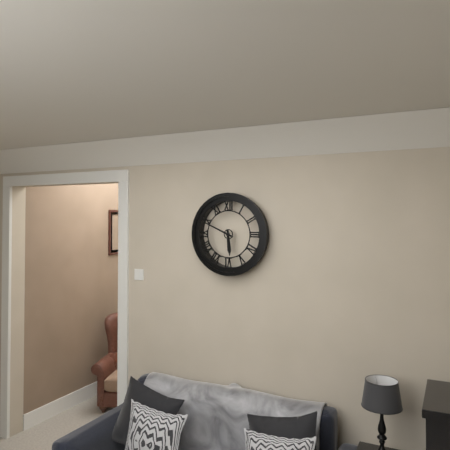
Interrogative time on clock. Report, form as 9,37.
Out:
5,49
